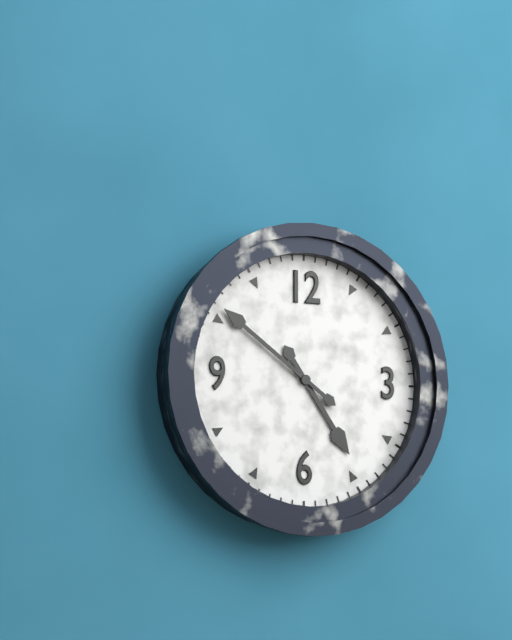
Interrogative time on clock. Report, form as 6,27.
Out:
4,51
